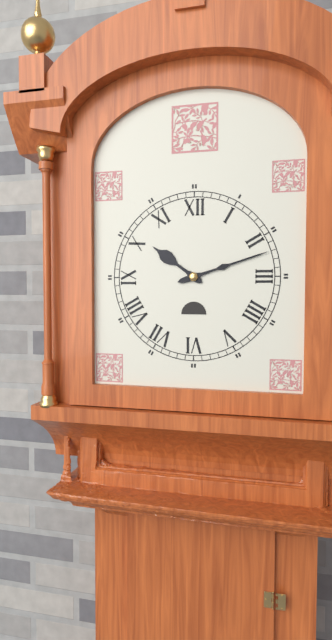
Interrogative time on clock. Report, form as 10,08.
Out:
10,12
